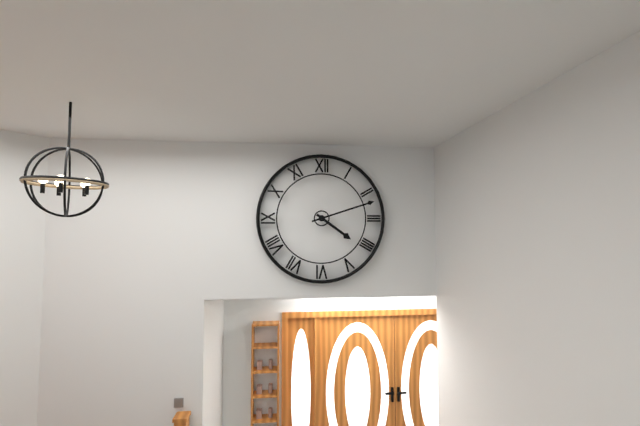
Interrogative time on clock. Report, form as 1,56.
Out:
4,12
